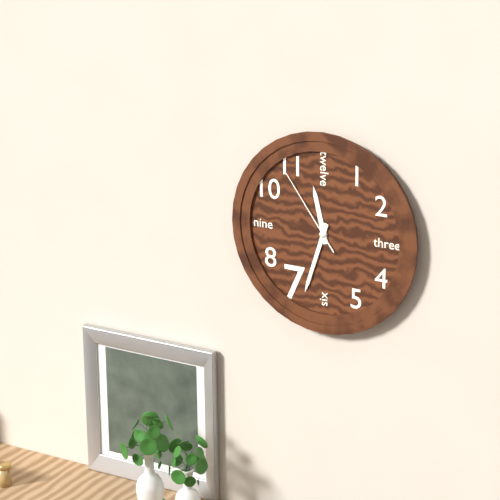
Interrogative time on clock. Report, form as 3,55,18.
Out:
11,33,54
